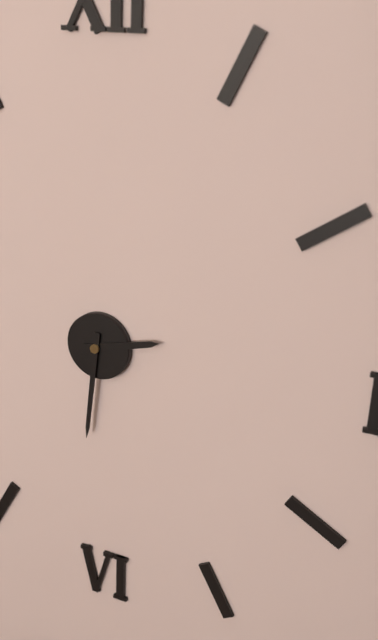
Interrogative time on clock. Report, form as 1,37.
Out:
2,31
